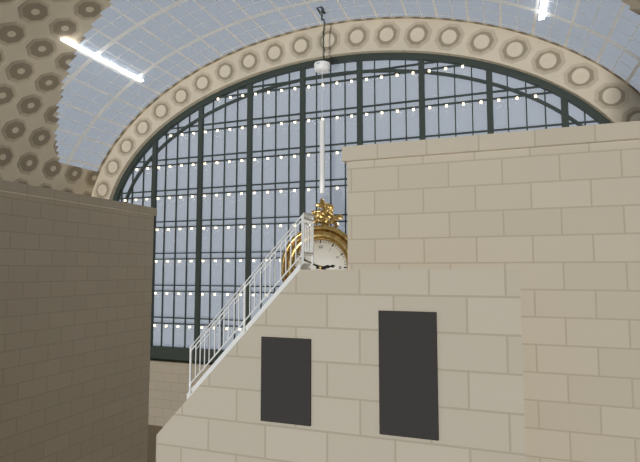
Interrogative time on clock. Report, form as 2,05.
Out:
2,49
